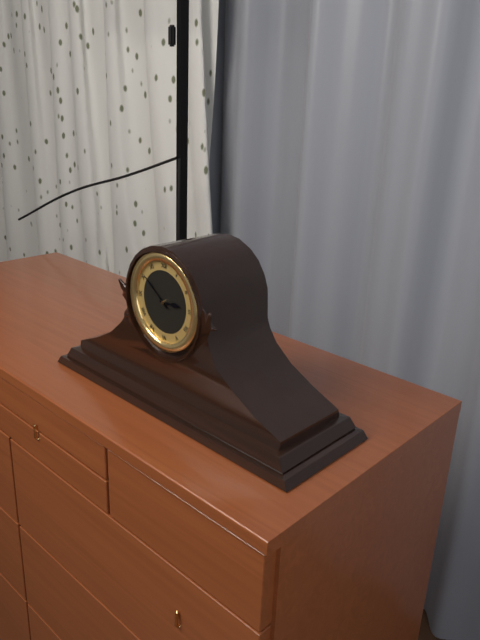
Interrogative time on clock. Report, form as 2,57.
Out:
2,51
